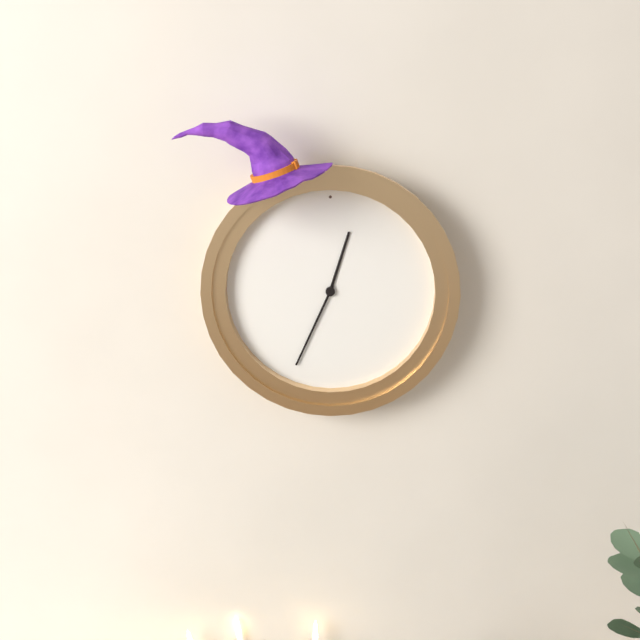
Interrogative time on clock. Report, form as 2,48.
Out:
12,34
